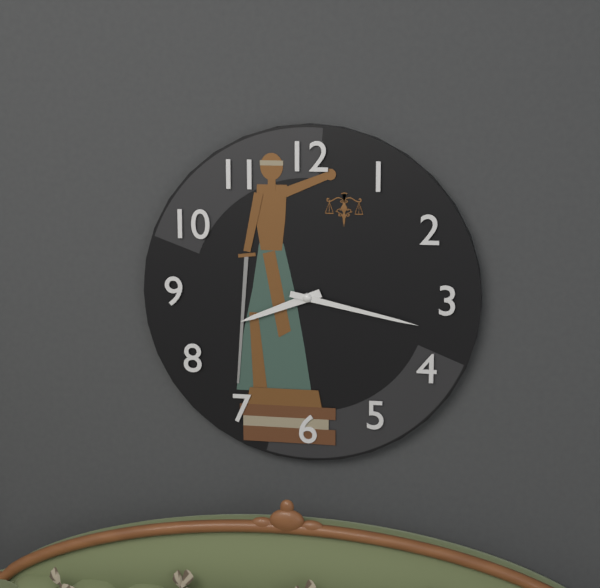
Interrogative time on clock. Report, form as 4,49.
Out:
8,17
